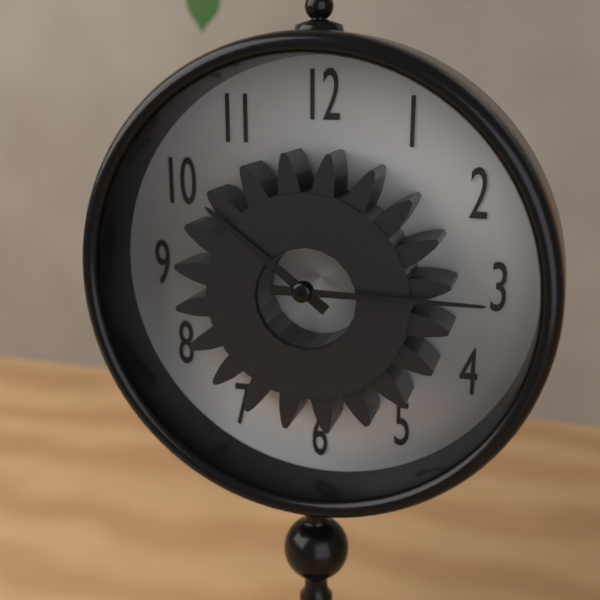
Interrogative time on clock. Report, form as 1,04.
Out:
10,15
